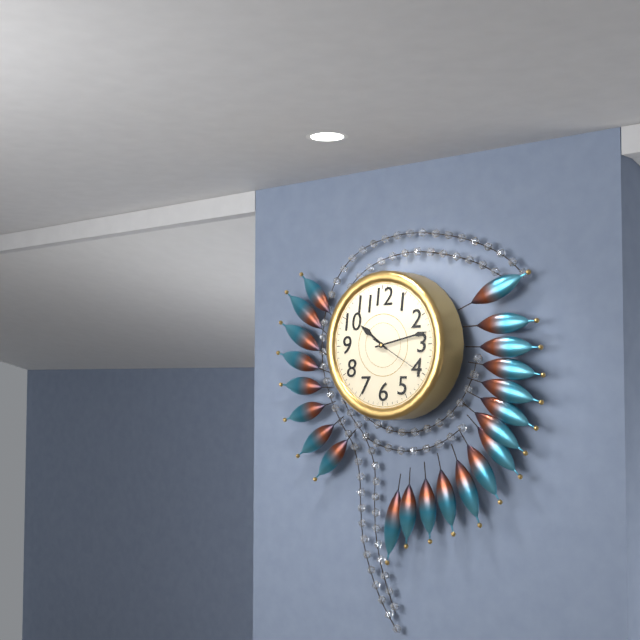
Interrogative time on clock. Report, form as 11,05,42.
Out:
10,13,20
